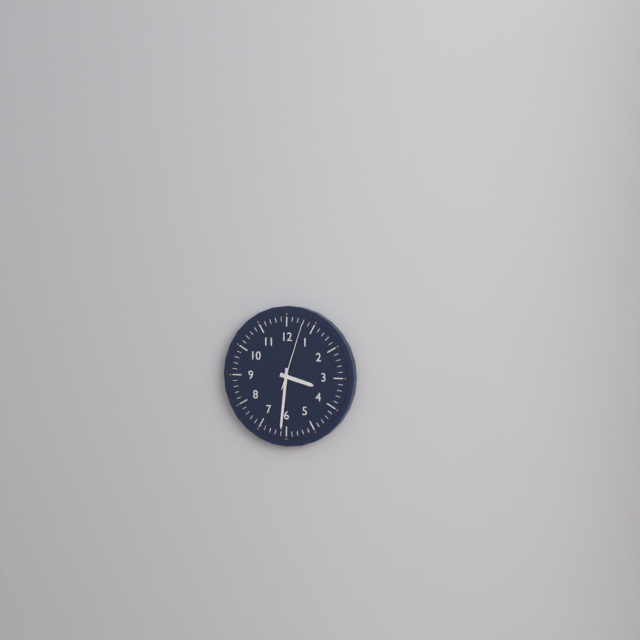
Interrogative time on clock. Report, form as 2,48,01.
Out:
3,31,03
